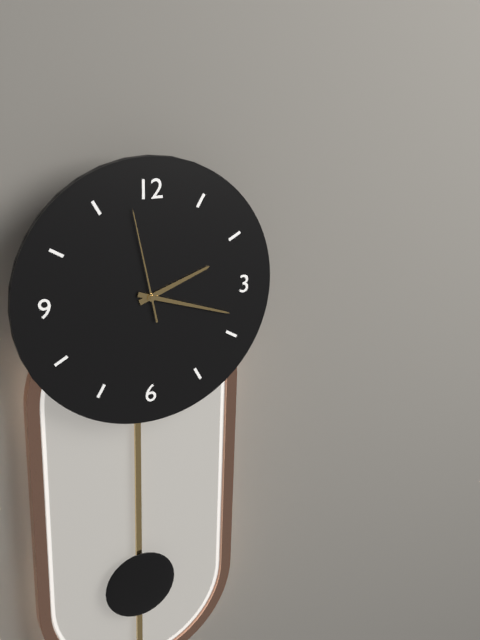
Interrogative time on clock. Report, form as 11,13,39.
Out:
2,18,58
